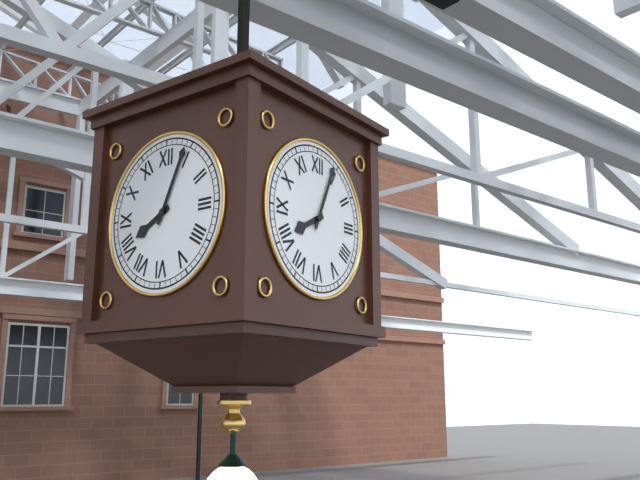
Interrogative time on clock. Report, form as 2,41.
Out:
8,04
